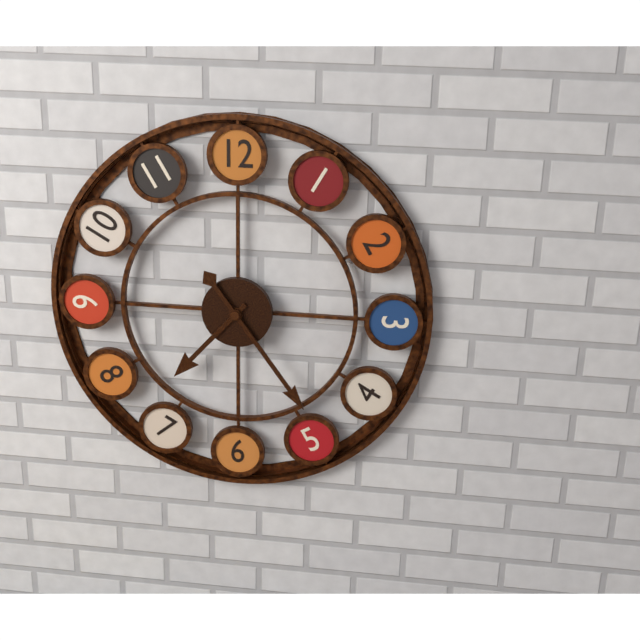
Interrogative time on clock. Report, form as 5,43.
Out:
7,24
